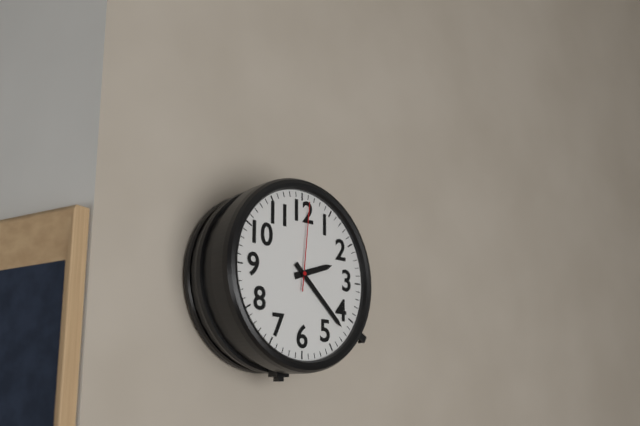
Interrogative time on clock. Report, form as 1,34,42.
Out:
2,22,01
